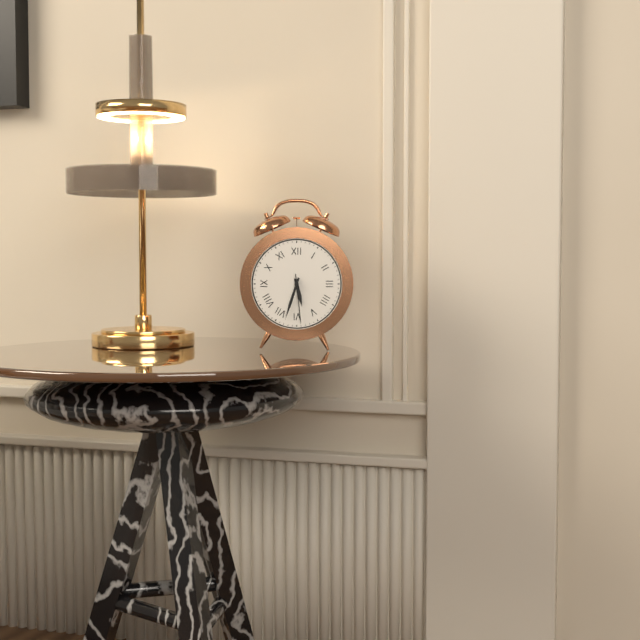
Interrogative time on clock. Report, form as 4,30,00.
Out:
5,33,29
